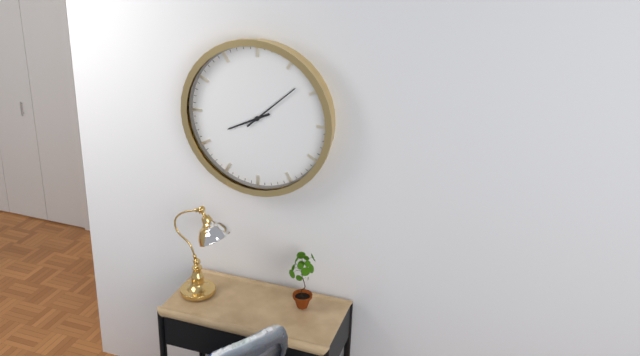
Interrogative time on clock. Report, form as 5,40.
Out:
8,08
